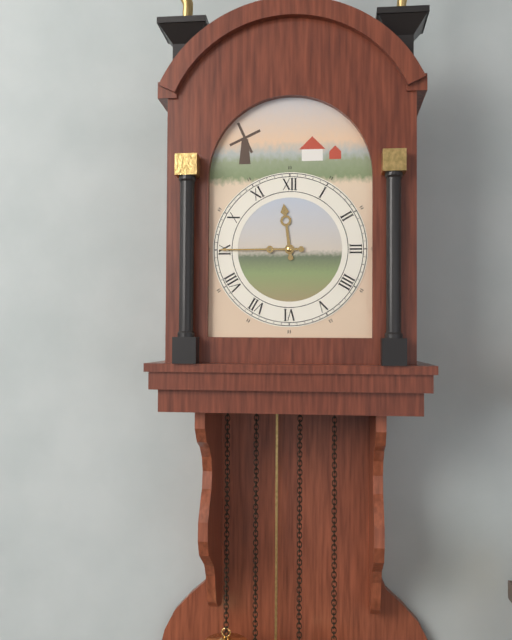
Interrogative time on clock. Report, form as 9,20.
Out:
11,45
